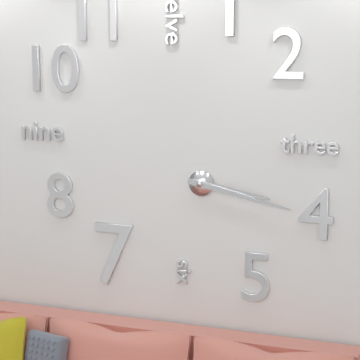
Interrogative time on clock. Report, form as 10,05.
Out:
3,17
